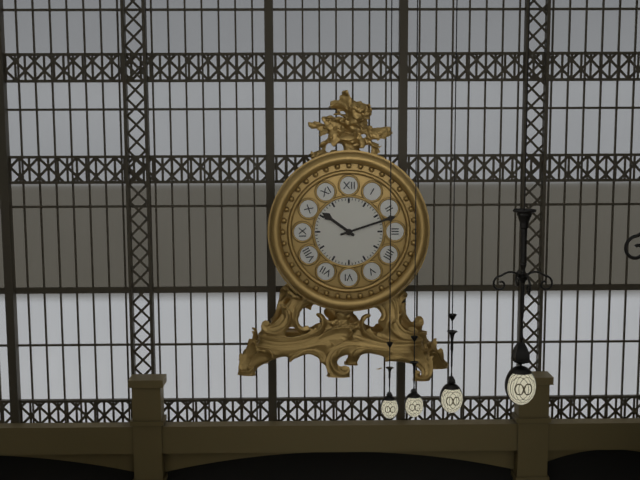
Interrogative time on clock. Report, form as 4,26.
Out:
10,12
